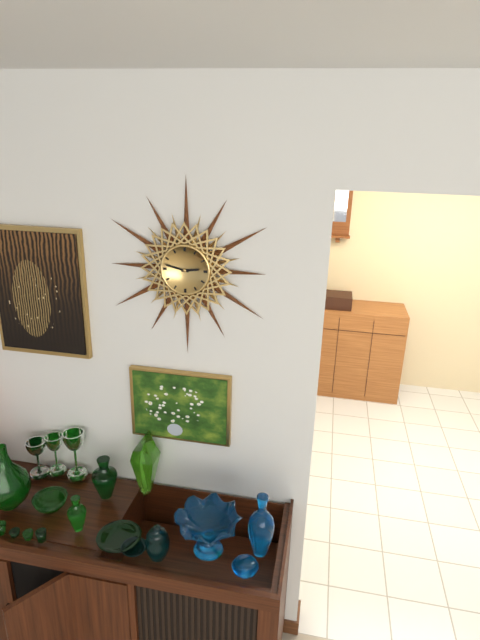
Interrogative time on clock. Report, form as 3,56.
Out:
2,47
